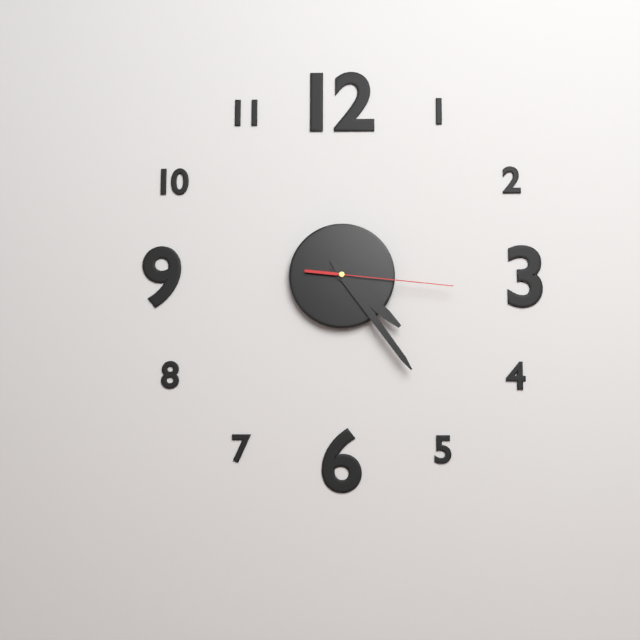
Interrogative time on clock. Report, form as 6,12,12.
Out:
4,24,16
